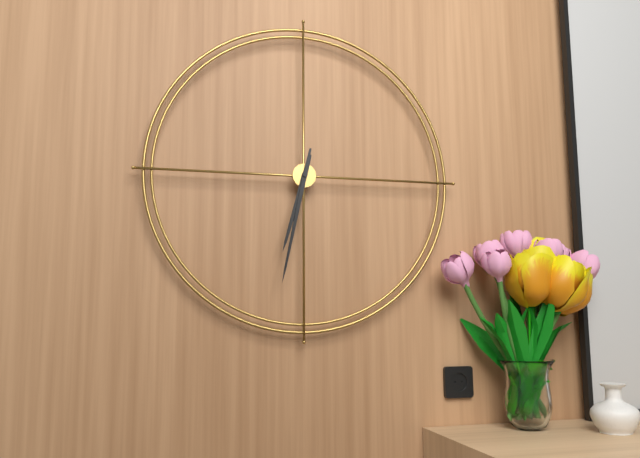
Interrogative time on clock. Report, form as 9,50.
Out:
6,32
